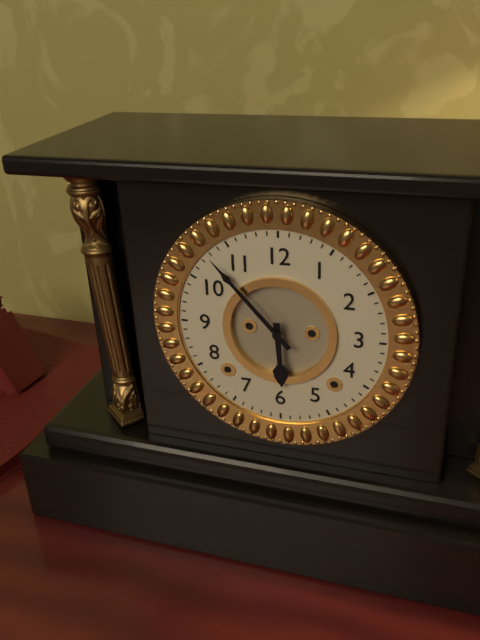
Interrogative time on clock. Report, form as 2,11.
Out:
5,53
